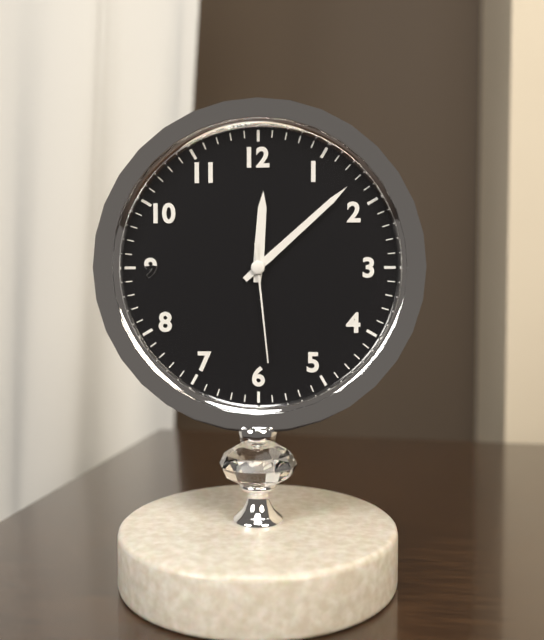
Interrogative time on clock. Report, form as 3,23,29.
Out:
12,08,29
